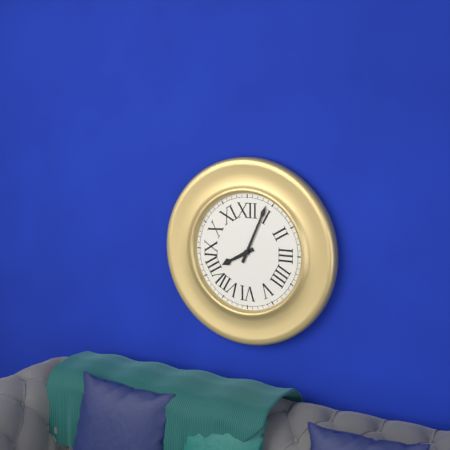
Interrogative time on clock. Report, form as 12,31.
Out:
8,04
